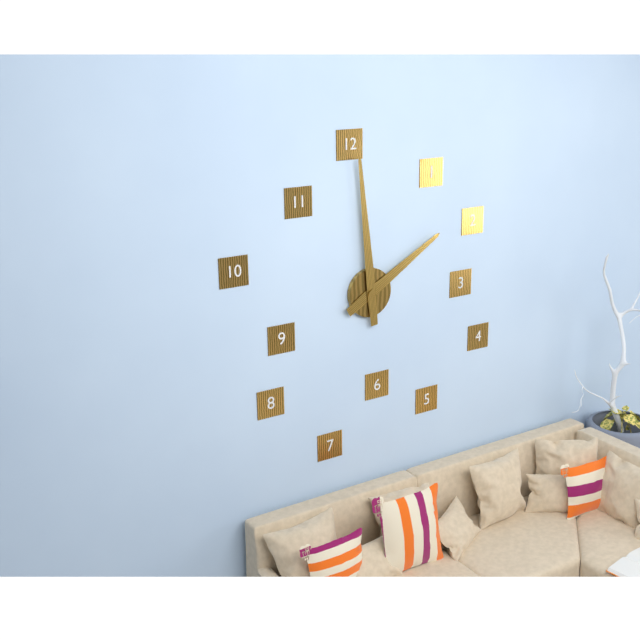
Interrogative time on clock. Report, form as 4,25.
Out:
1,59
